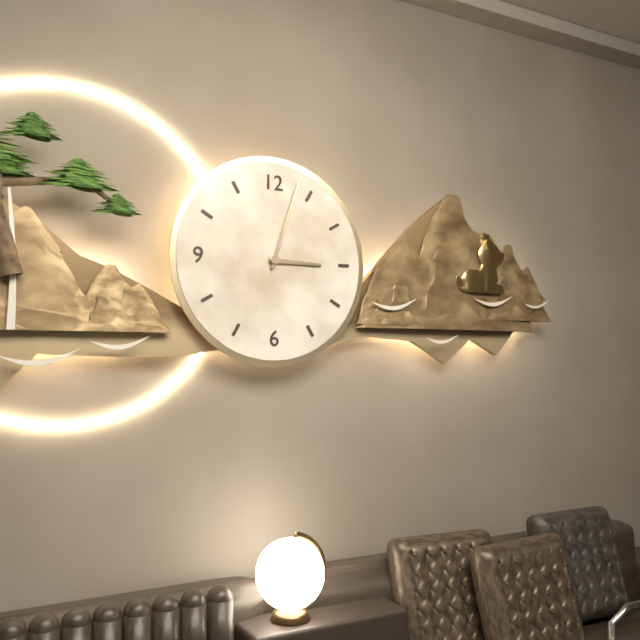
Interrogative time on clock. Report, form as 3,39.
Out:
3,03
